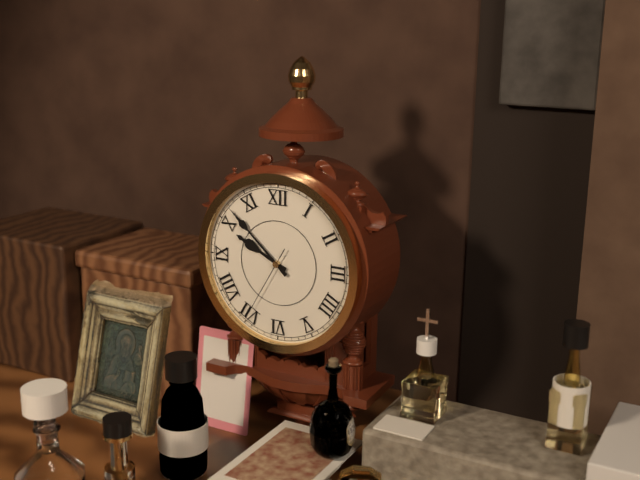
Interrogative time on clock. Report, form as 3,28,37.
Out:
9,52,35
